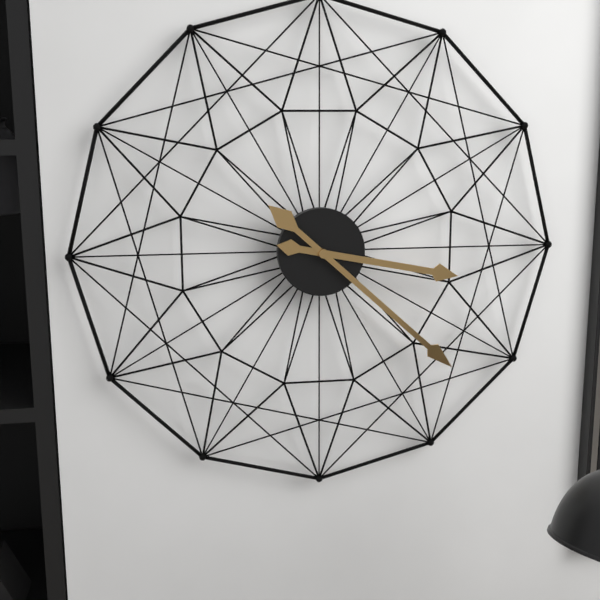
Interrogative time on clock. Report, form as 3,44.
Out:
3,22
